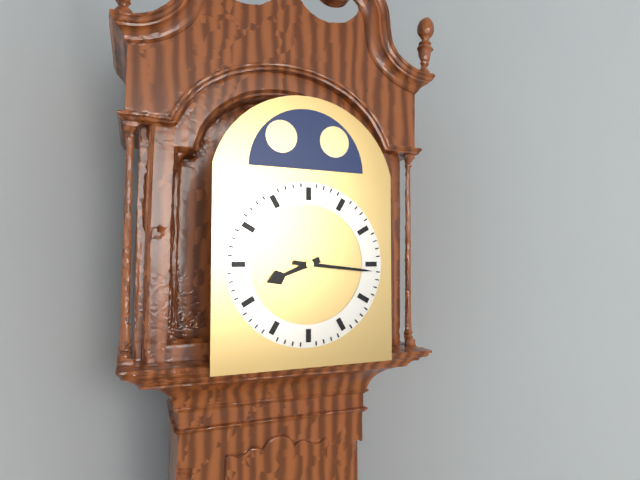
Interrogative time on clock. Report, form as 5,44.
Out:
8,16
